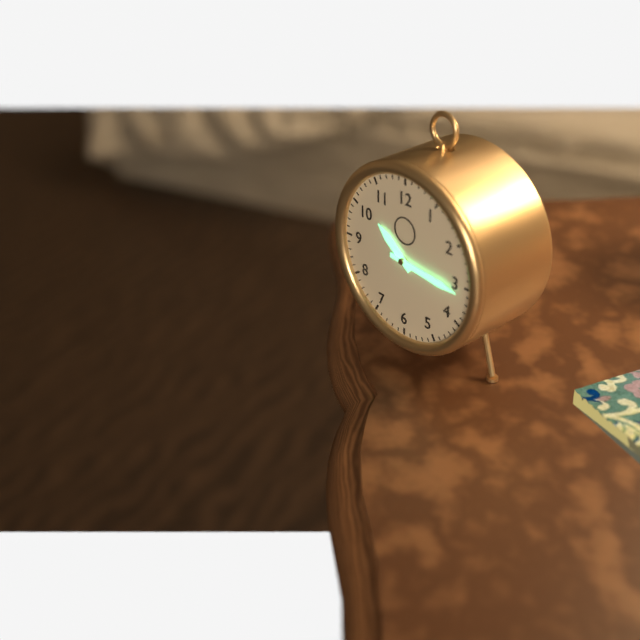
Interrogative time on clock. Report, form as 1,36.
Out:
10,16
